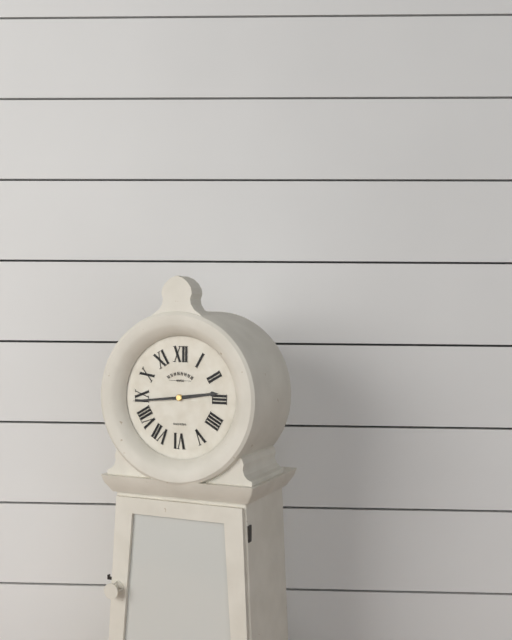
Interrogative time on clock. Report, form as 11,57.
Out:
2,44
